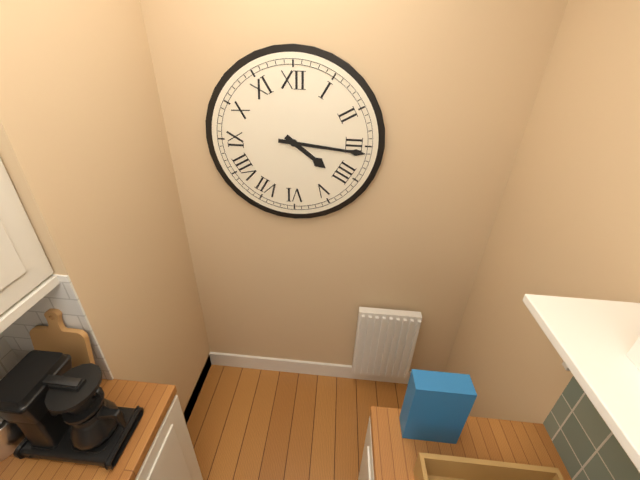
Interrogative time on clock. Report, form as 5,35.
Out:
4,16
